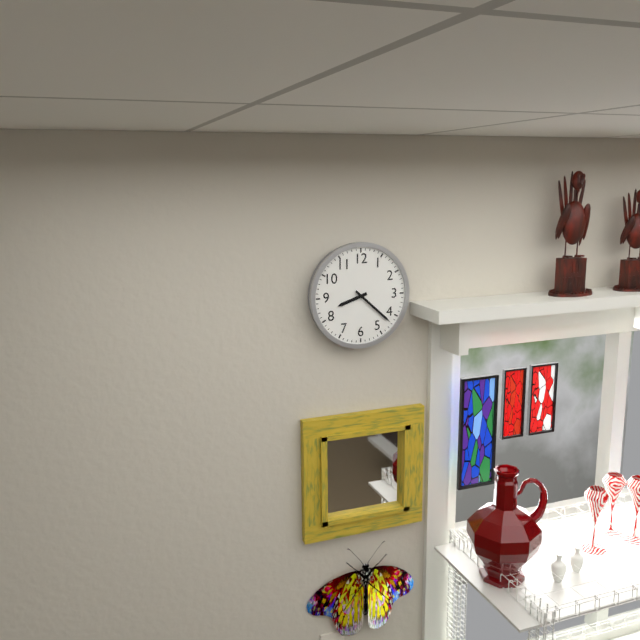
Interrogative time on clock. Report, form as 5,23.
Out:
8,22
